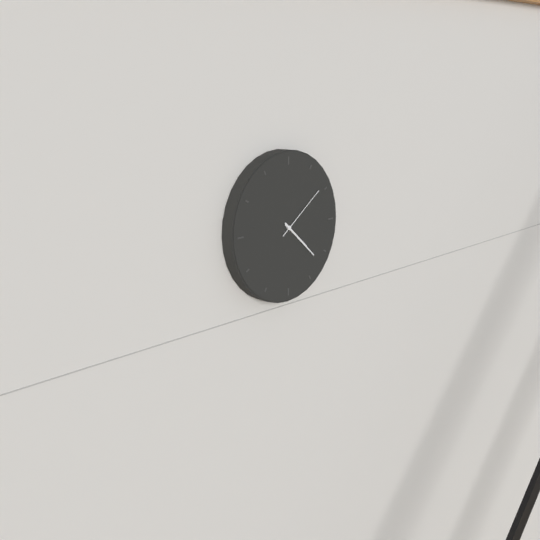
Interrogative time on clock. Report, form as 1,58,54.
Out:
4,22,09
